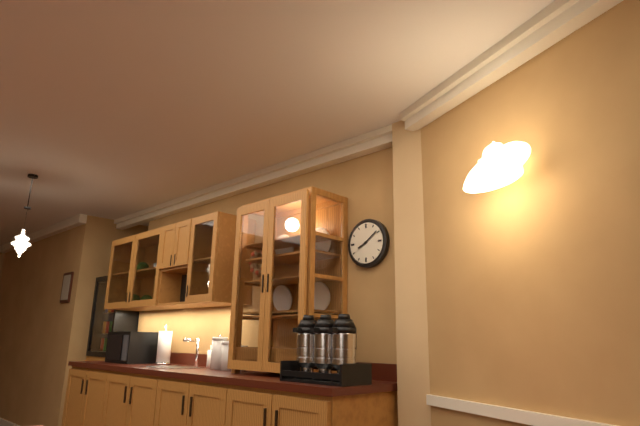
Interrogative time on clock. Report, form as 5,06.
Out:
8,09
